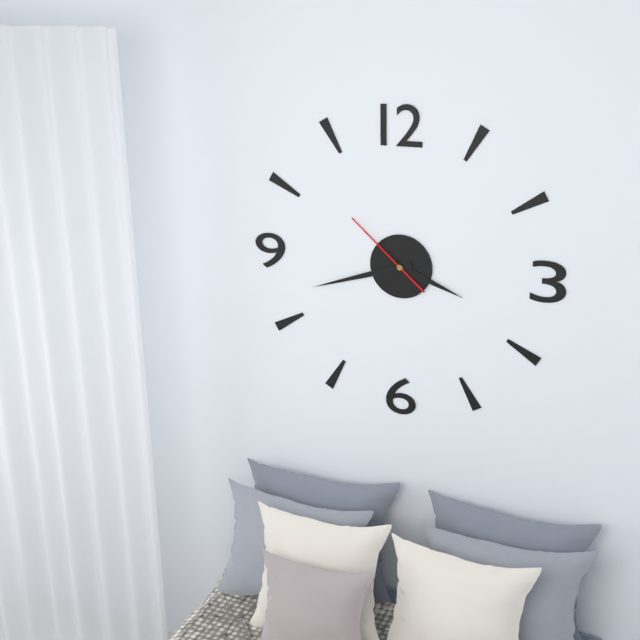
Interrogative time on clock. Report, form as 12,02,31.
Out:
3,42,52
